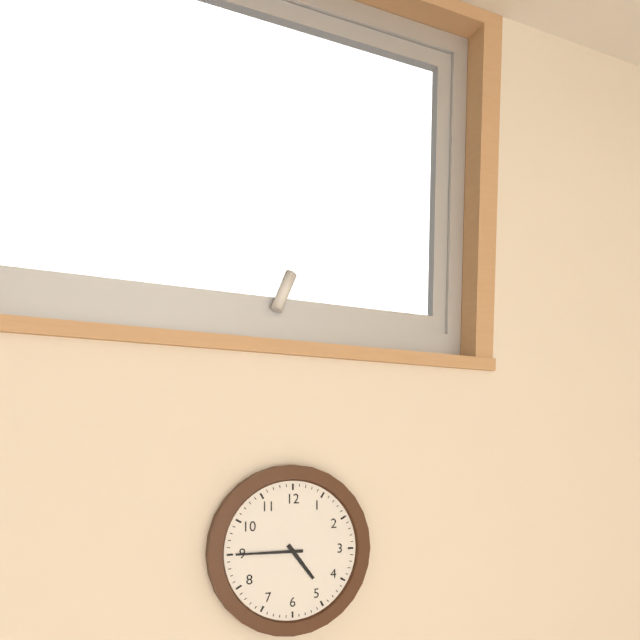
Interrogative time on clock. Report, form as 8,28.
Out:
4,45
